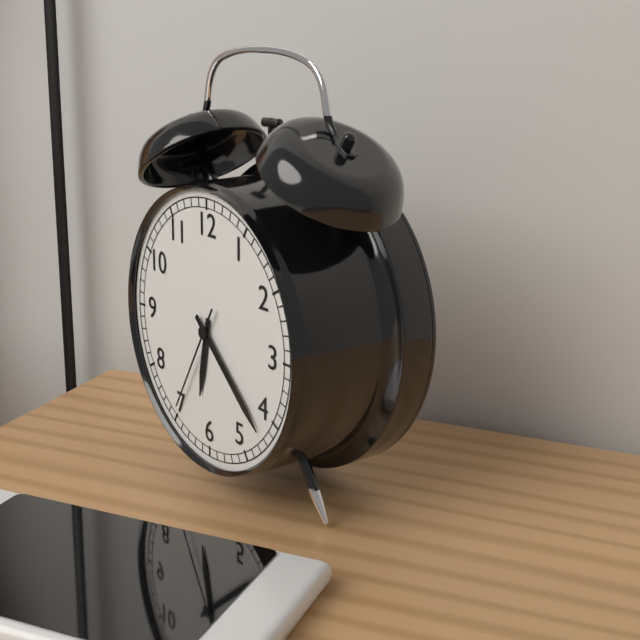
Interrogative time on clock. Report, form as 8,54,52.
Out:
6,22,35
